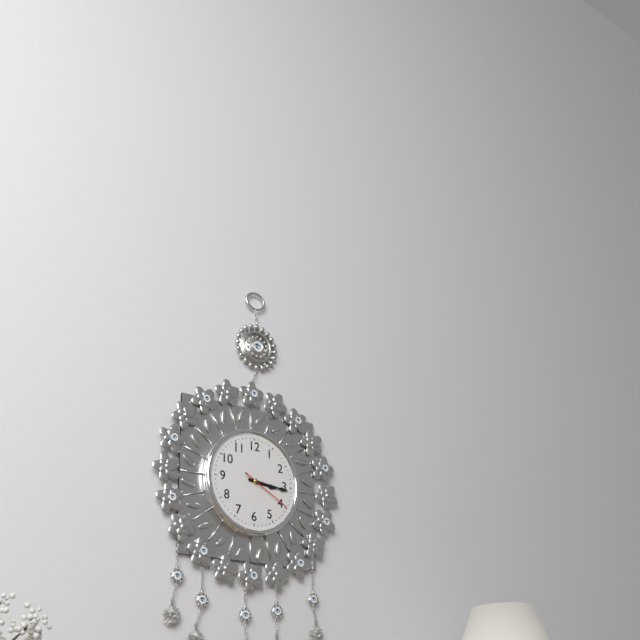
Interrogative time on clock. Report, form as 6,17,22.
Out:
3,16,20
